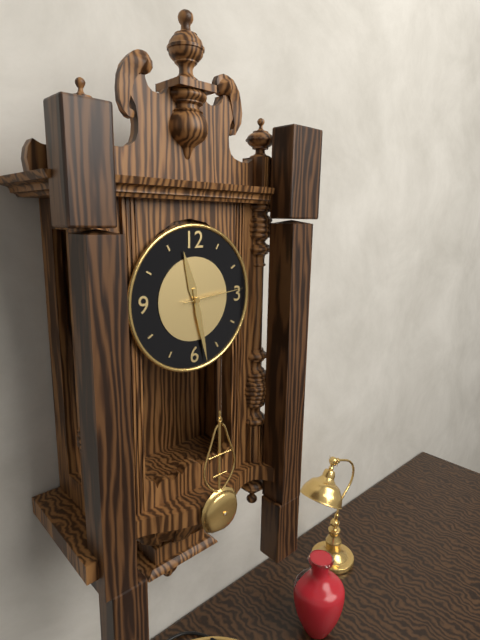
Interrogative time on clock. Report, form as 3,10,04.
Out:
11,28,14
